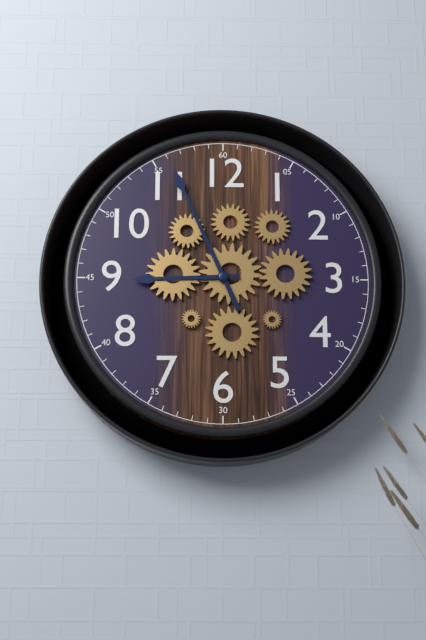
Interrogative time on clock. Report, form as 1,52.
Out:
8,56
